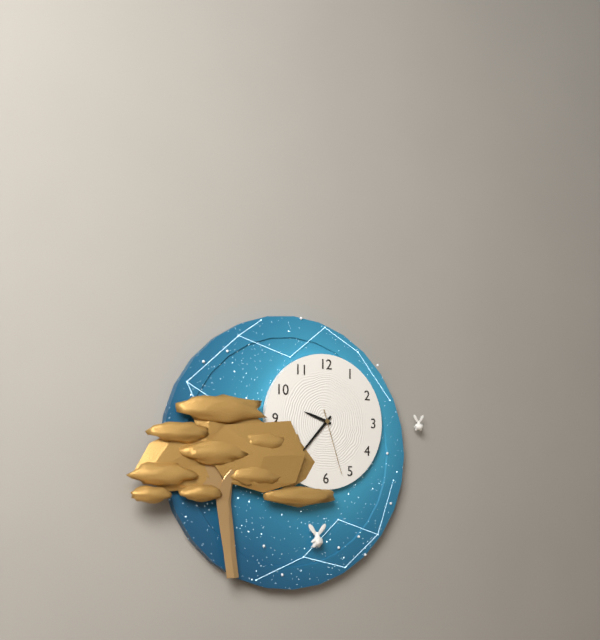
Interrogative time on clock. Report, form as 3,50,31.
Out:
9,37,27
